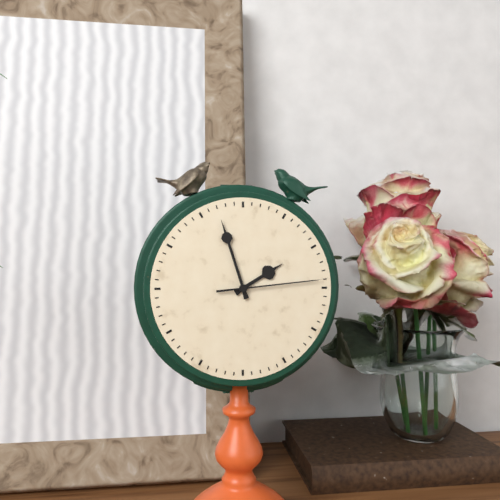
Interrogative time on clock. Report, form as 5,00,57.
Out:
1,57,14
